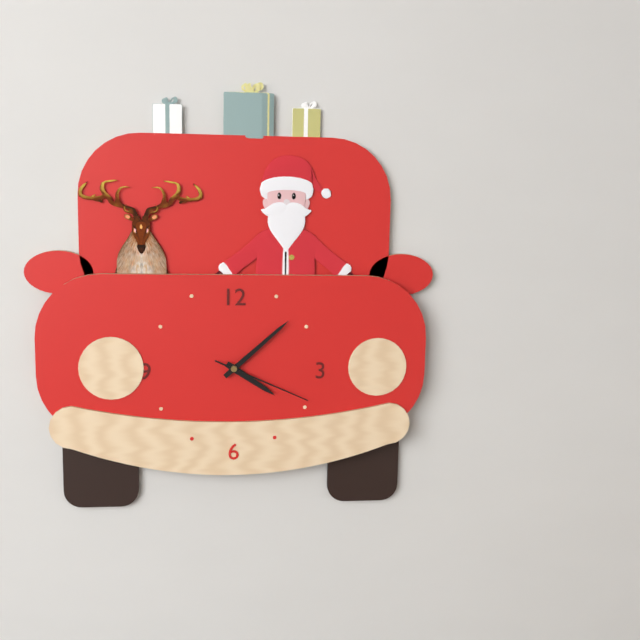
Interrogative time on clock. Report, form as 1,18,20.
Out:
4,08,19
